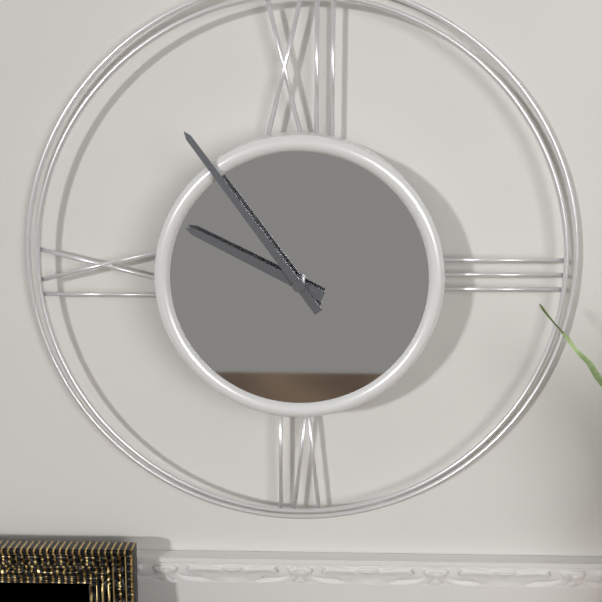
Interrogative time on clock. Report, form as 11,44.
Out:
9,54
